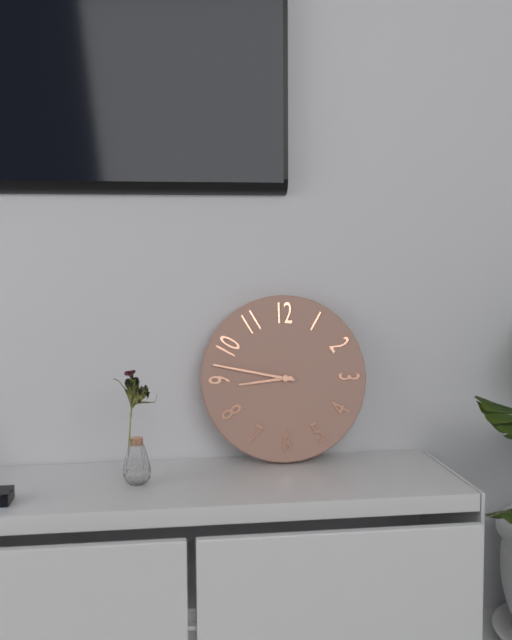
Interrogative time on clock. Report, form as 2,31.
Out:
8,47
